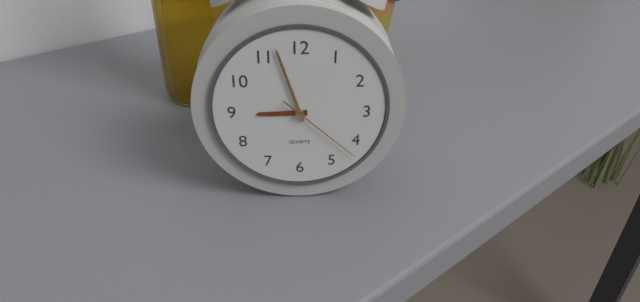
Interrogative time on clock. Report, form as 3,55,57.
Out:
8,57,22
